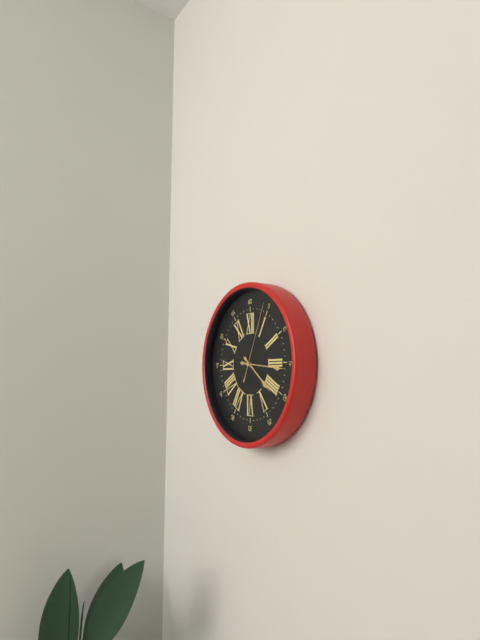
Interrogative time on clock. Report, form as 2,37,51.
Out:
4,16,04
